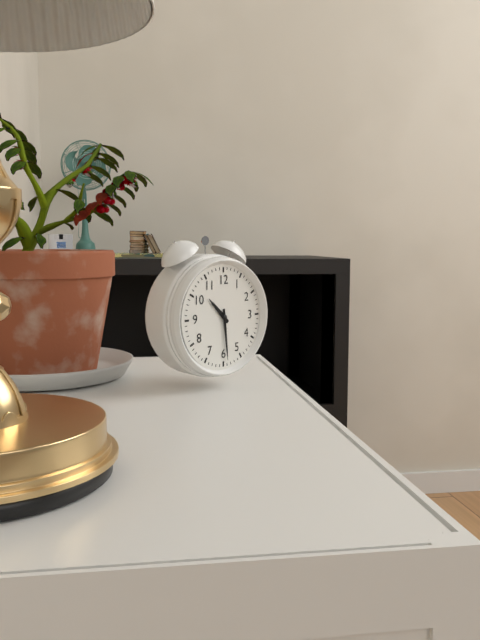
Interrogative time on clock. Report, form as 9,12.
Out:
10,29
